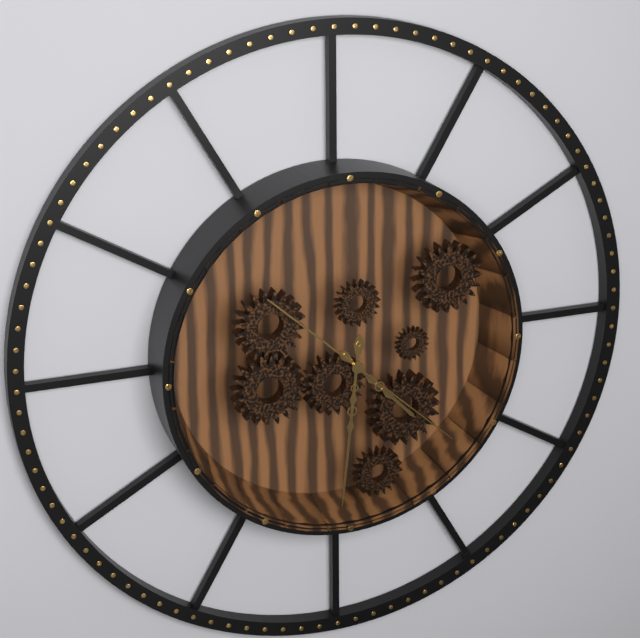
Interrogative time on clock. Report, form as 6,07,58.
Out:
4,31,22
